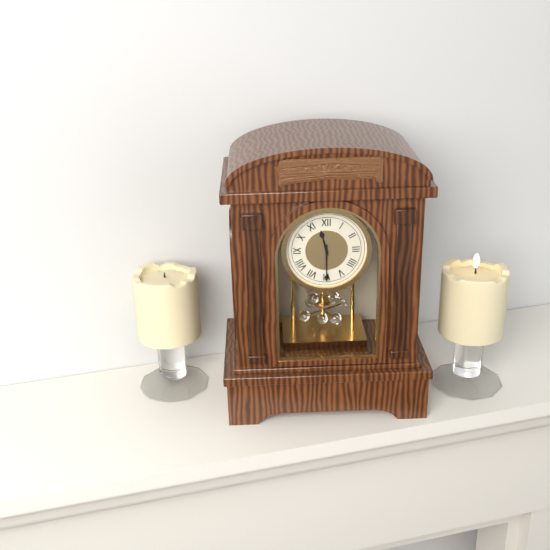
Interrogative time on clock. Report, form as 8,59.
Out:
11,30
